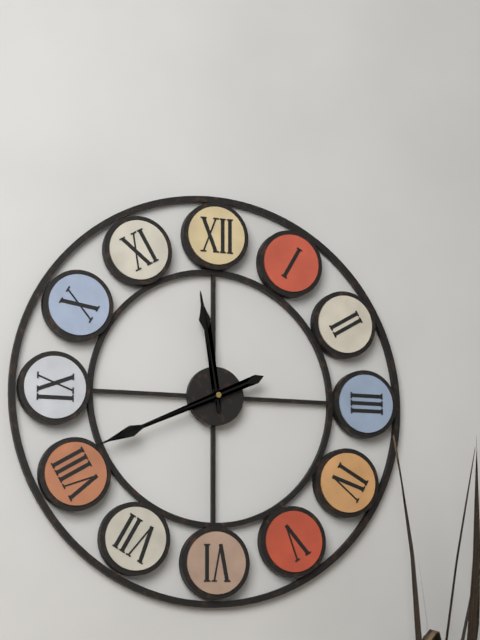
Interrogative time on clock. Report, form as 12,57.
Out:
11,41
